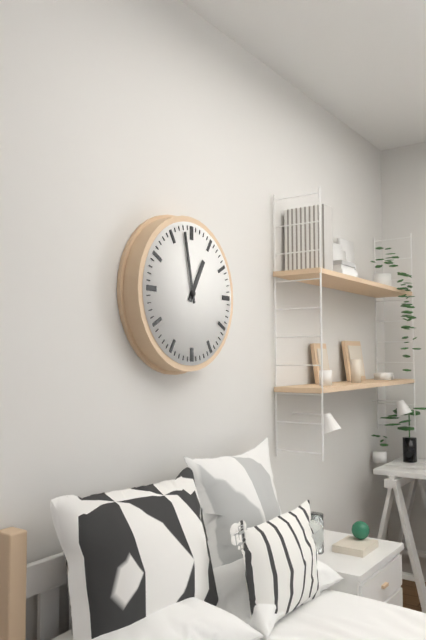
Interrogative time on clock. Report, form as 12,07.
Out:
12,58
